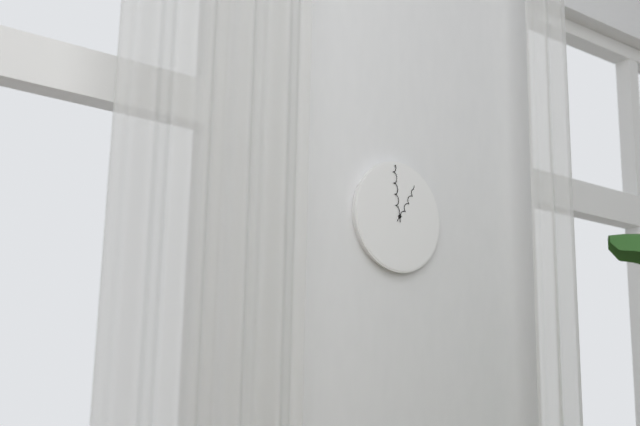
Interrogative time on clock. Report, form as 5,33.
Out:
12,59
